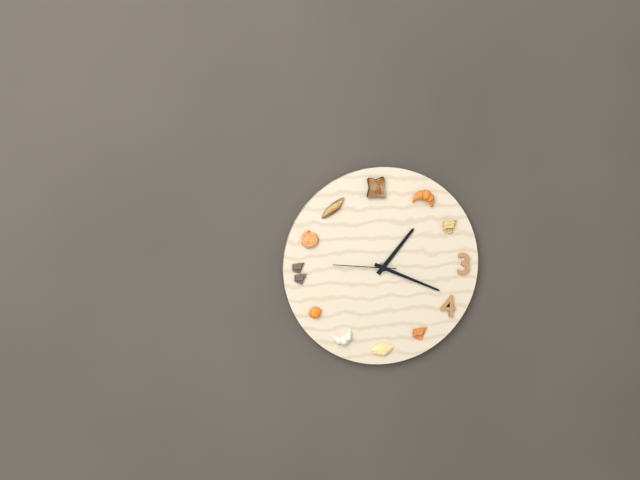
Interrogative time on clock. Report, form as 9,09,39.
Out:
1,19,46
